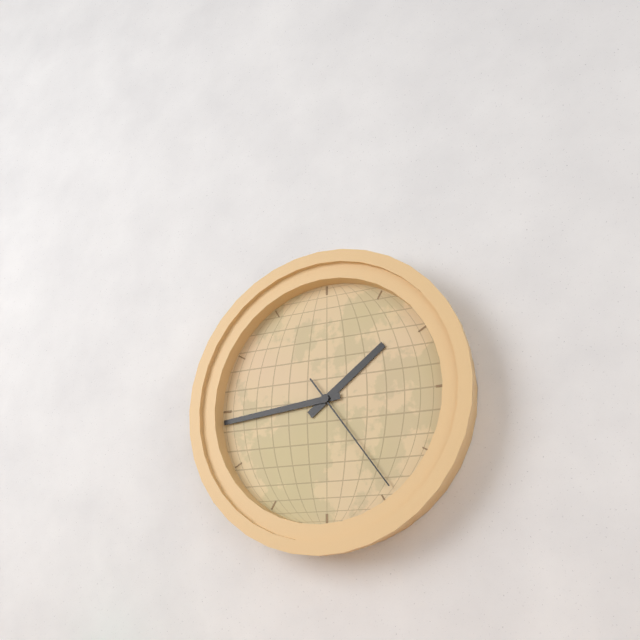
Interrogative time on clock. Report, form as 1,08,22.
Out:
1,44,24
